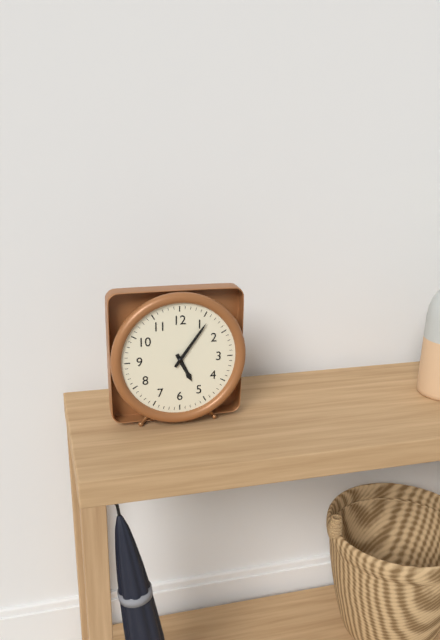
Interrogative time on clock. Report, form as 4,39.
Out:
5,06
